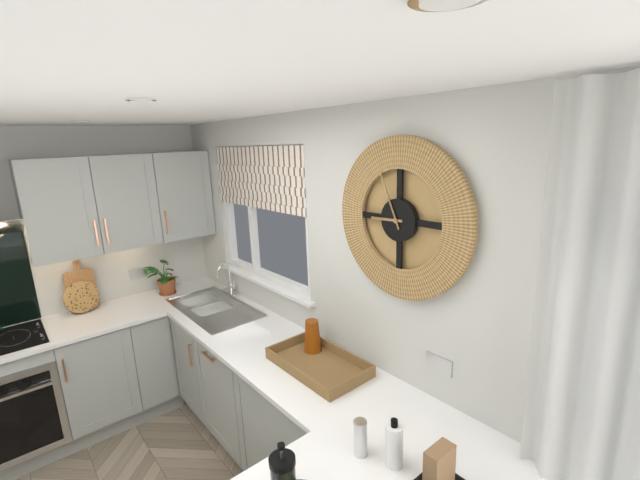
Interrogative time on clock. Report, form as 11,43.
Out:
8,56
